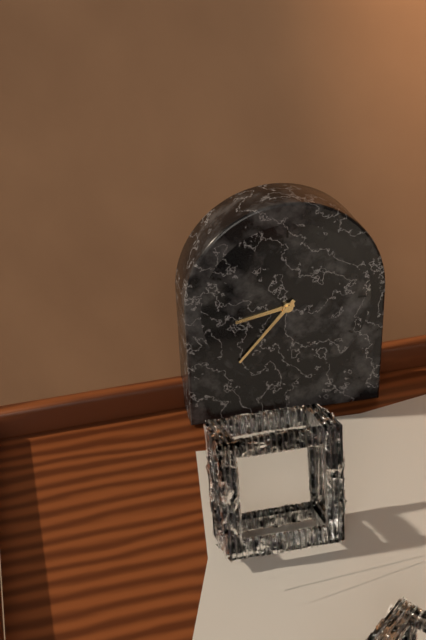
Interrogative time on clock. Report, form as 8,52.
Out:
8,37
